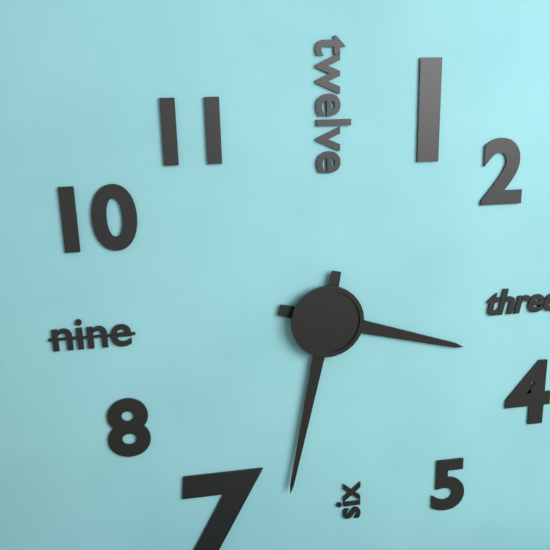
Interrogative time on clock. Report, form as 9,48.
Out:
3,32
